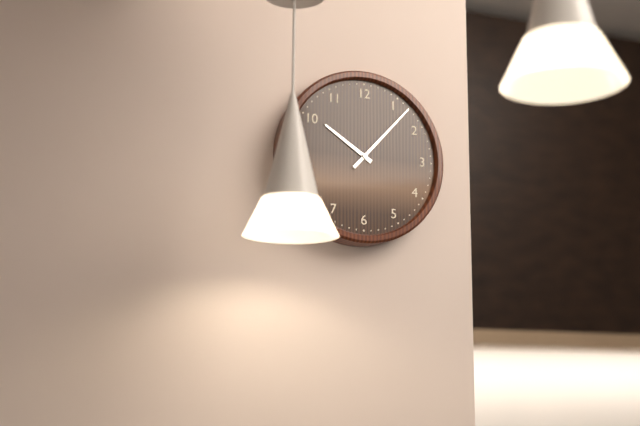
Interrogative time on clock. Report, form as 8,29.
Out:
10,07
